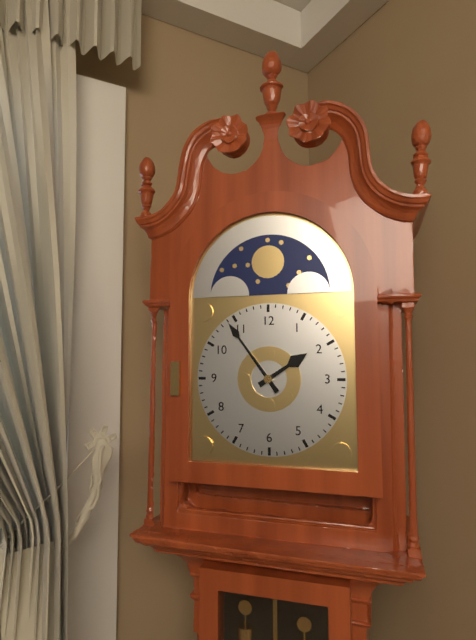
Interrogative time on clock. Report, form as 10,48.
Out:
1,54
